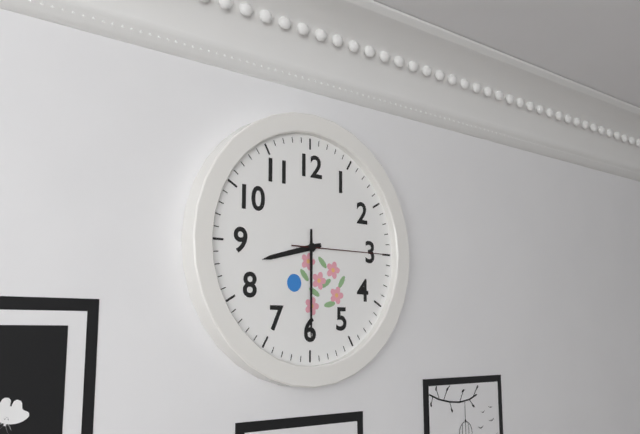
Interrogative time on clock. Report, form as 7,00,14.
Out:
8,30,15
